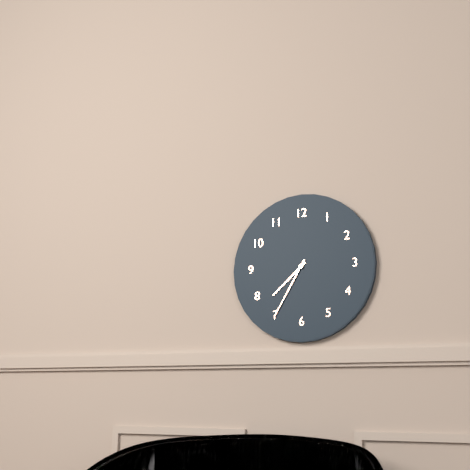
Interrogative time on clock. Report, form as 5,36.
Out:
7,35
